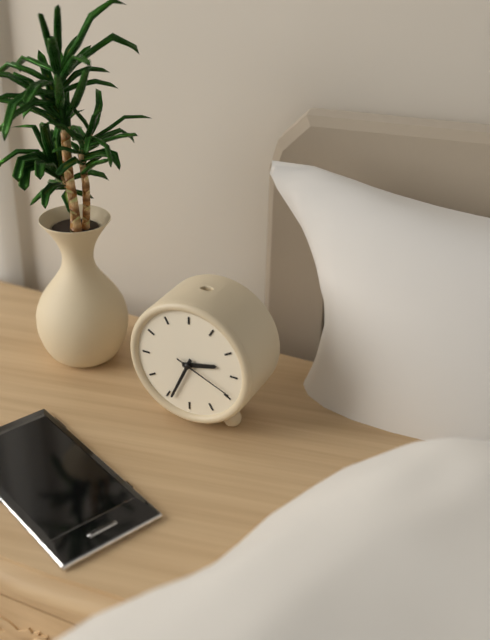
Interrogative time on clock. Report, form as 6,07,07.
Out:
2,34,19
